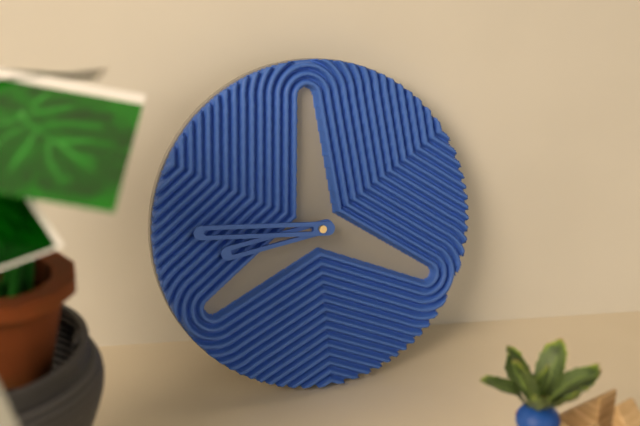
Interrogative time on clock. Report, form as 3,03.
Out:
8,46
